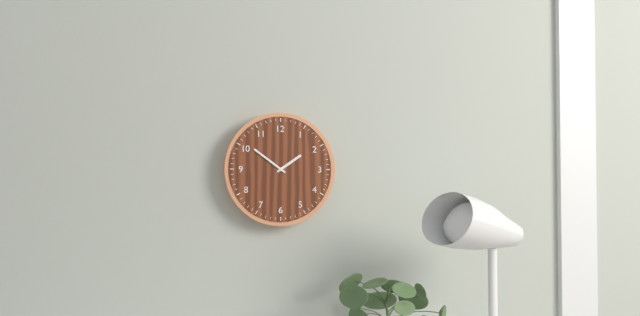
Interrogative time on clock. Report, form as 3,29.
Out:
1,51
